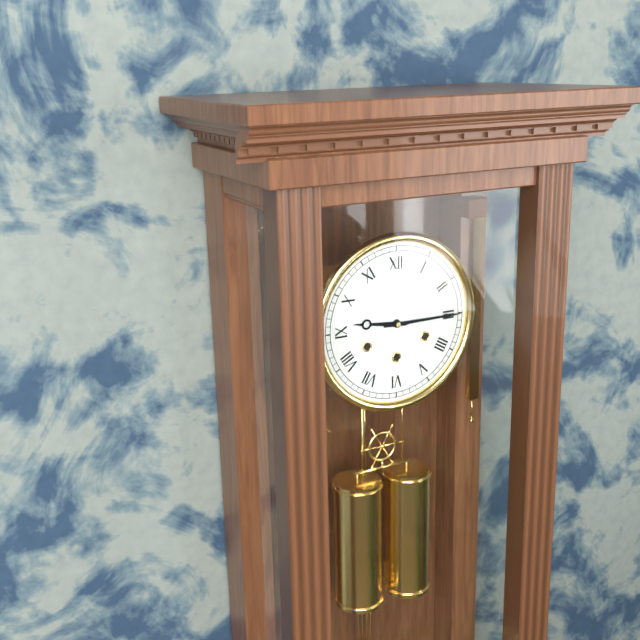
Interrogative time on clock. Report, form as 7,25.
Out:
9,15
